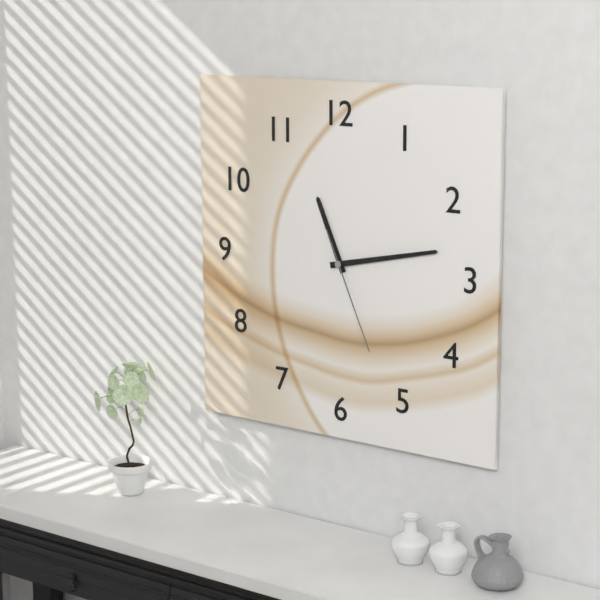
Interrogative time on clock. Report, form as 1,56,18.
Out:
11,13,26
